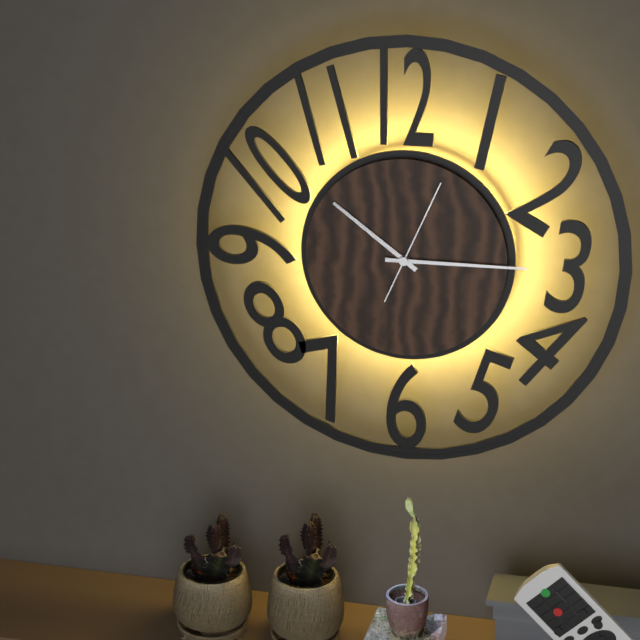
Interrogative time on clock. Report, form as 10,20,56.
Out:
10,15,04
